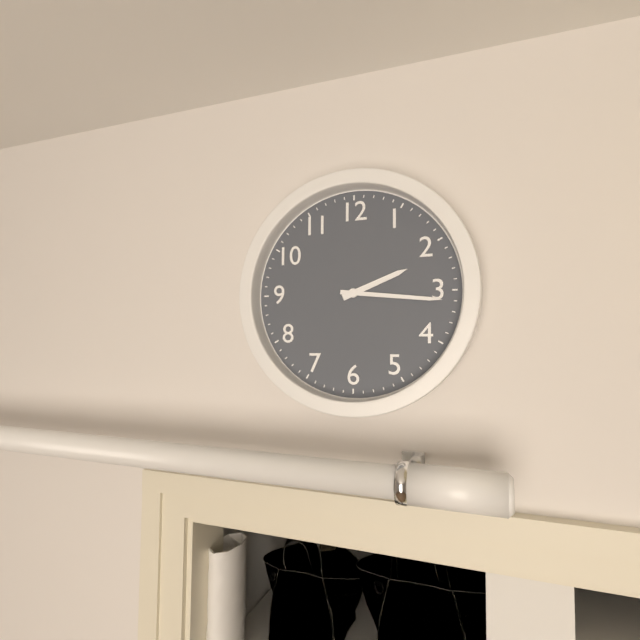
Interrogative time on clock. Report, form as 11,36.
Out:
2,16
